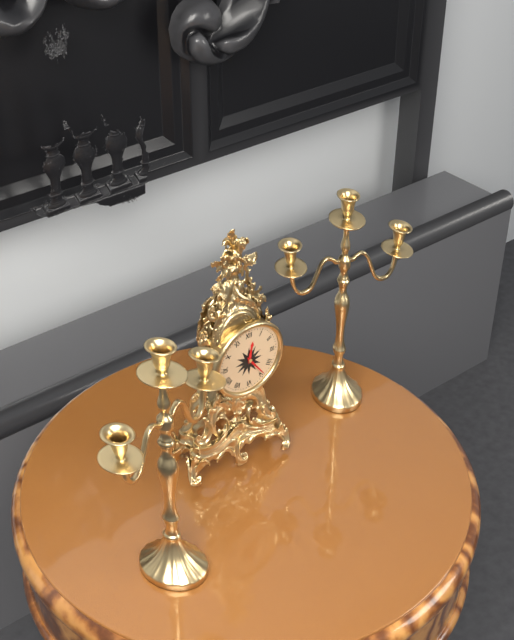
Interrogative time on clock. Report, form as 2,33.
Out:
12,24
